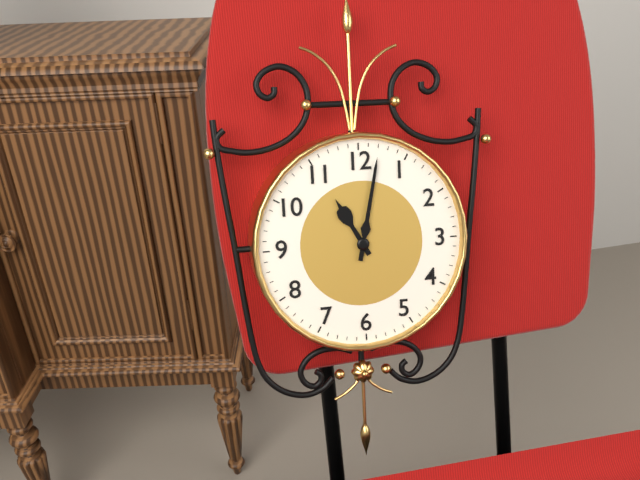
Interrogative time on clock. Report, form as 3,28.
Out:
11,02
